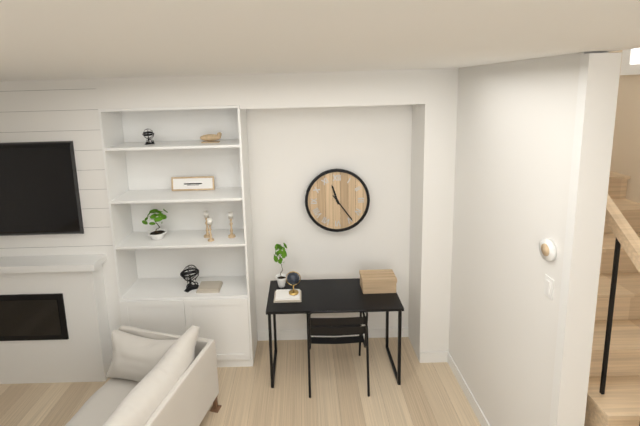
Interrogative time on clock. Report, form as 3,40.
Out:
11,24
